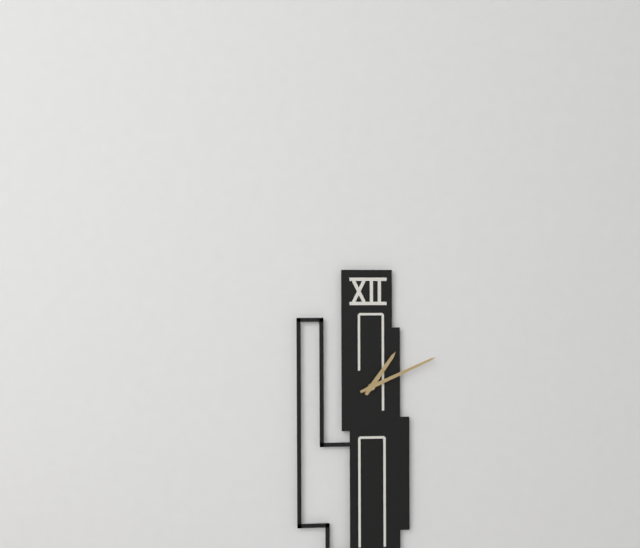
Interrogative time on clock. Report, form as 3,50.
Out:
1,11
